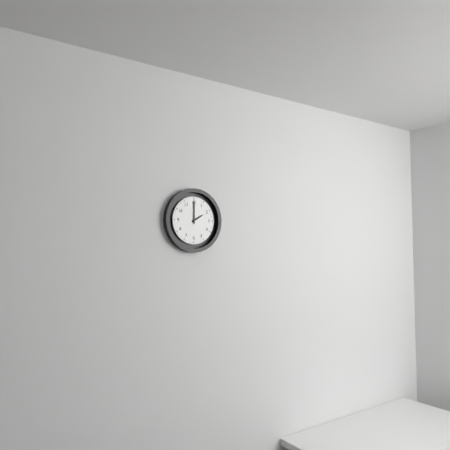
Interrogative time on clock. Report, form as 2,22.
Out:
2,00
